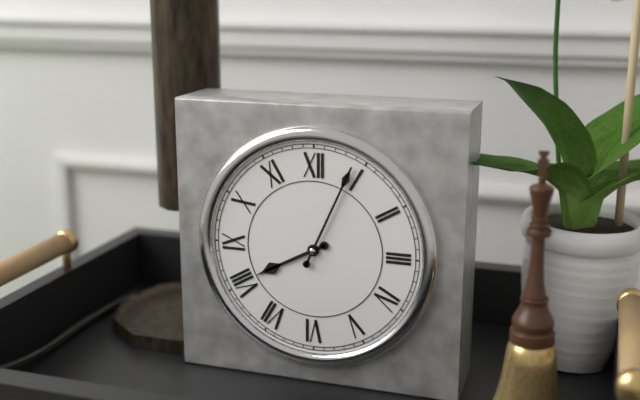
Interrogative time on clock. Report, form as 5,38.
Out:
8,04
